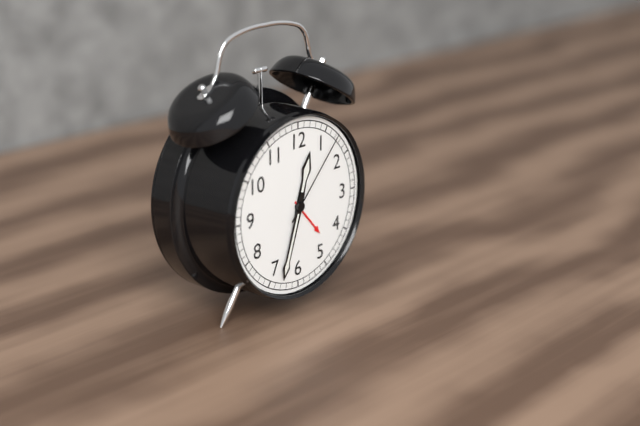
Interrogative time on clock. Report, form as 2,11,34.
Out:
12,33,07
